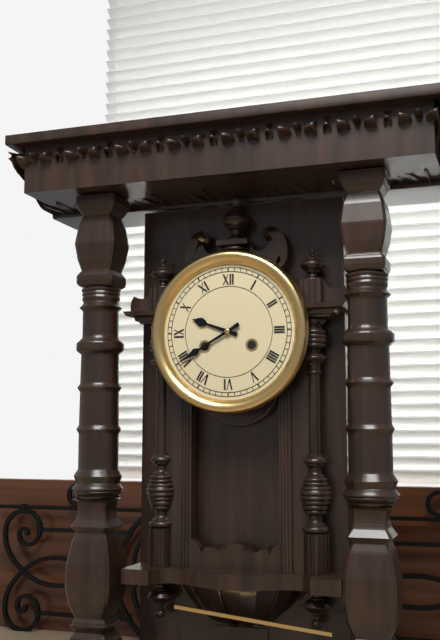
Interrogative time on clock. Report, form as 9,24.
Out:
9,40
